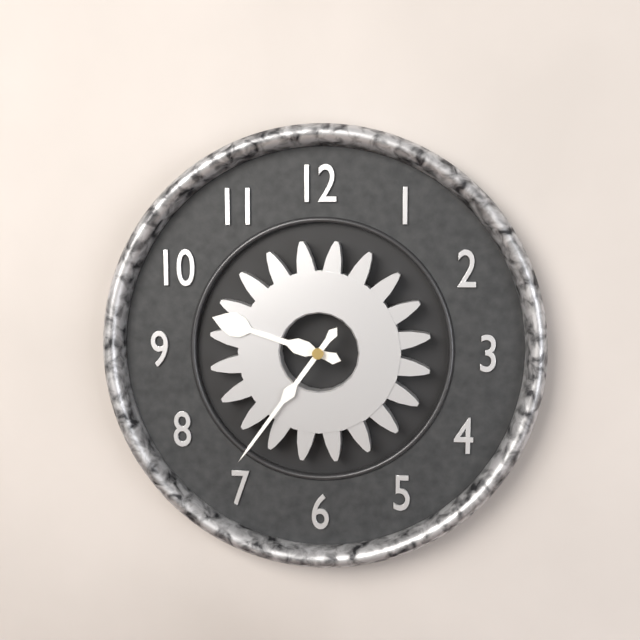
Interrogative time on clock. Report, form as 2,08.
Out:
9,36
